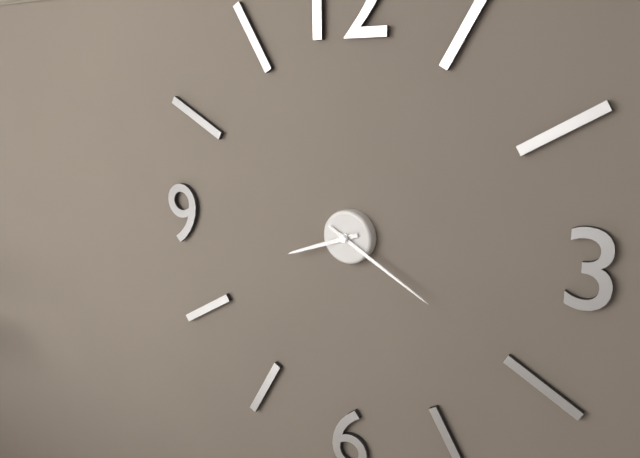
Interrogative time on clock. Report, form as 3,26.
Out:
8,20
